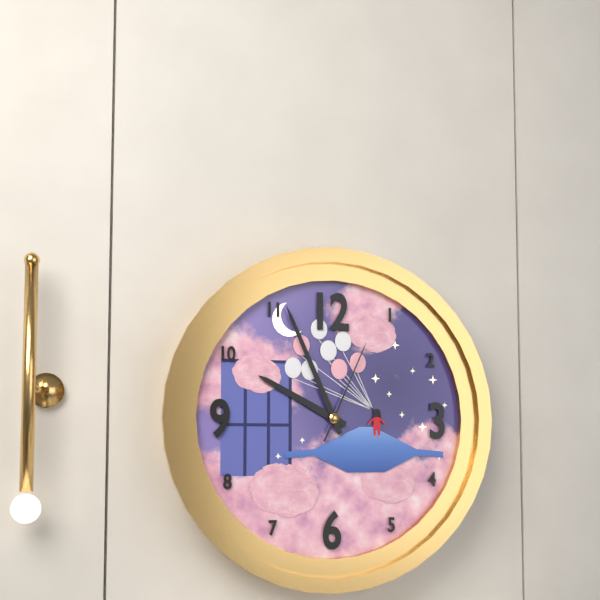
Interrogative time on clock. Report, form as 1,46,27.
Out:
9,56,04
